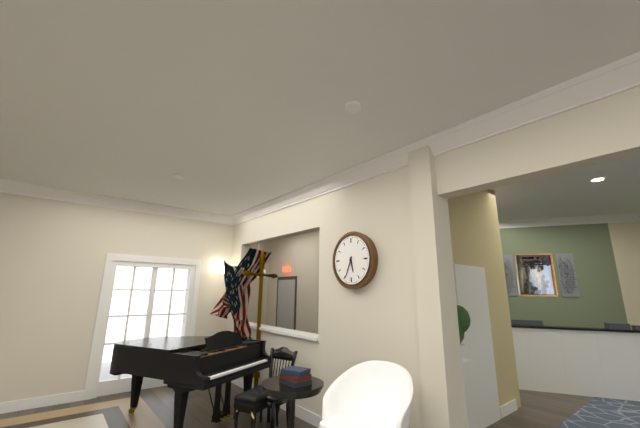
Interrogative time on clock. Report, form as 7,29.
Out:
5,34
